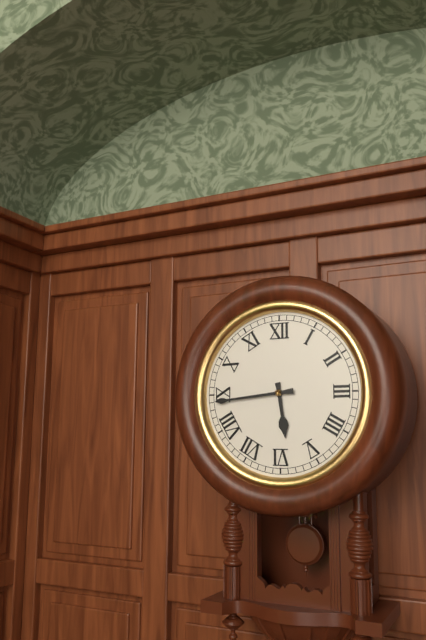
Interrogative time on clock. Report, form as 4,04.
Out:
5,44
